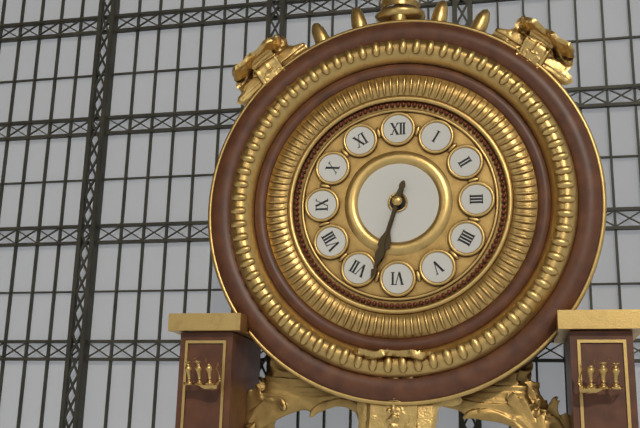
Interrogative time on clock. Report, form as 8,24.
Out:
6,33
